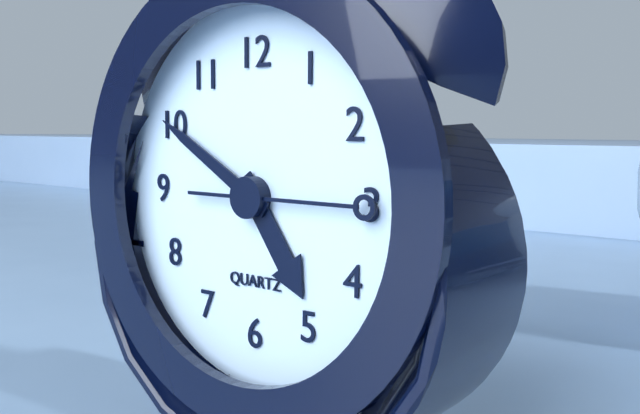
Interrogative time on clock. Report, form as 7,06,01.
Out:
4,50,15
